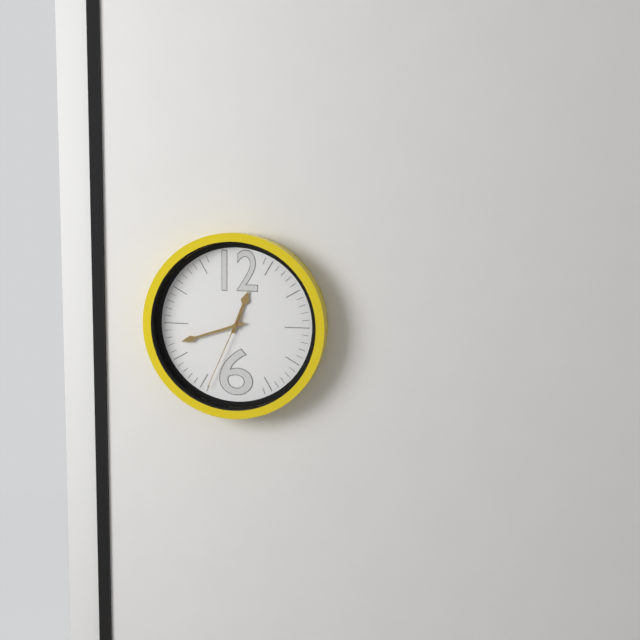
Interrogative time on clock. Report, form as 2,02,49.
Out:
12,42,34
